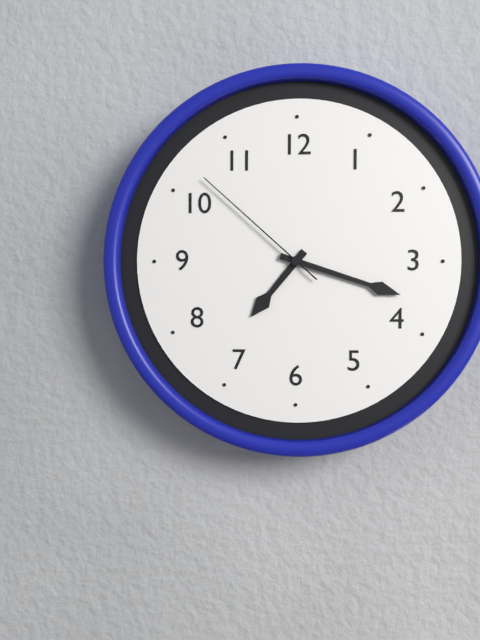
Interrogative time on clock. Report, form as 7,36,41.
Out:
7,18,52
